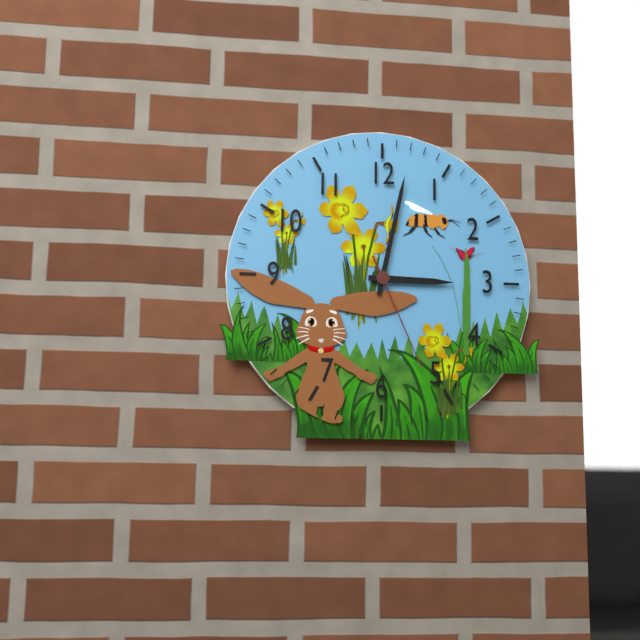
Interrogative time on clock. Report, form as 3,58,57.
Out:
3,02,26
